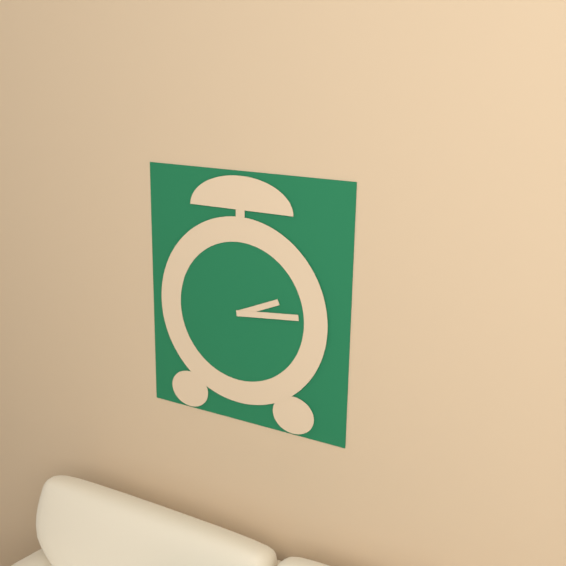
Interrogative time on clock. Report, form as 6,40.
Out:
2,14
